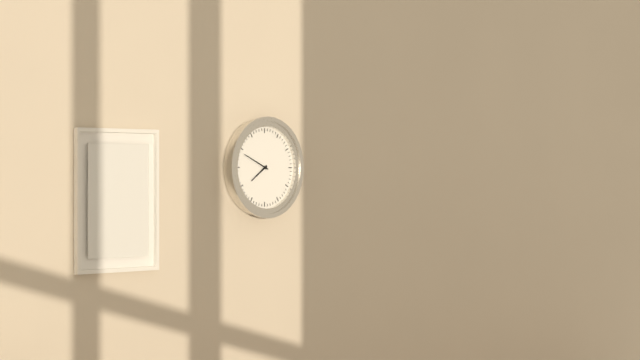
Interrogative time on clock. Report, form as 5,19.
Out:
7,49
